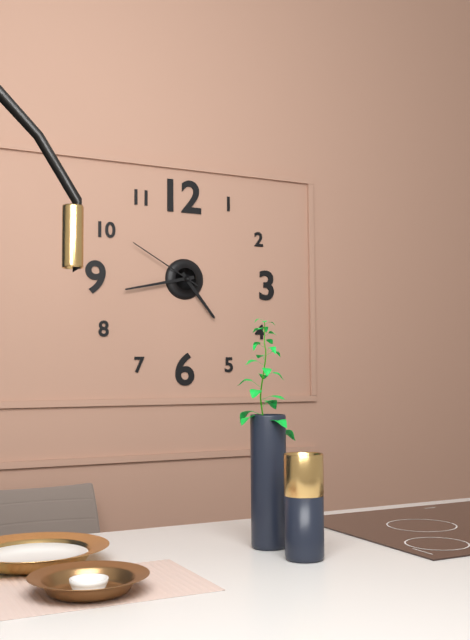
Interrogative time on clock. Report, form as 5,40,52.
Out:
4,43,50
